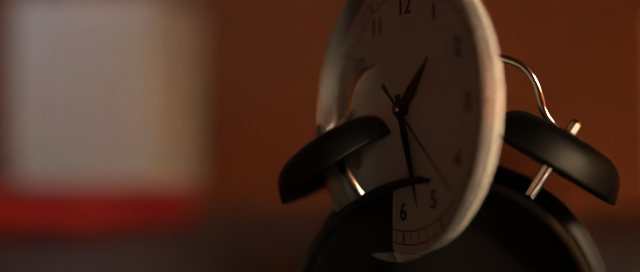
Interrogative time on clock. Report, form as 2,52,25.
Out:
1,27,22
